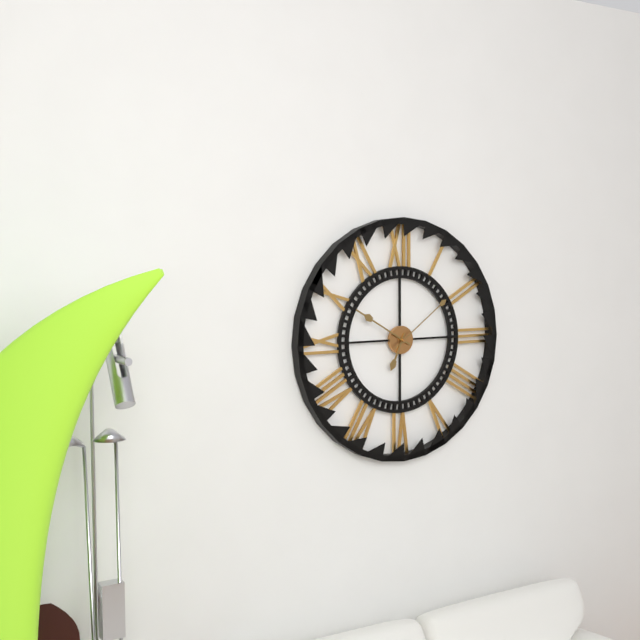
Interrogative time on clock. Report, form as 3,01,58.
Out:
6,50,09
